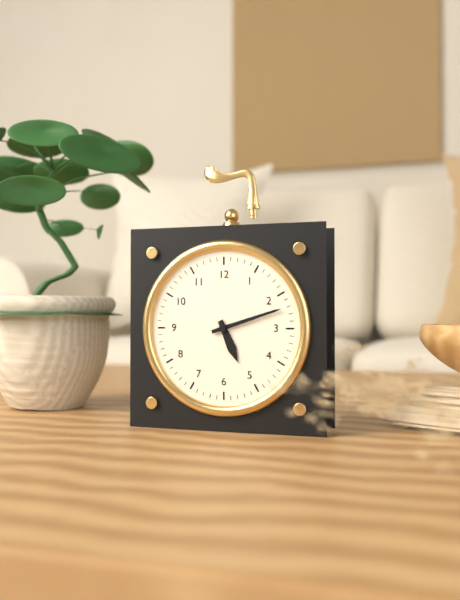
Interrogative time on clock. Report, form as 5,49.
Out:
5,12
